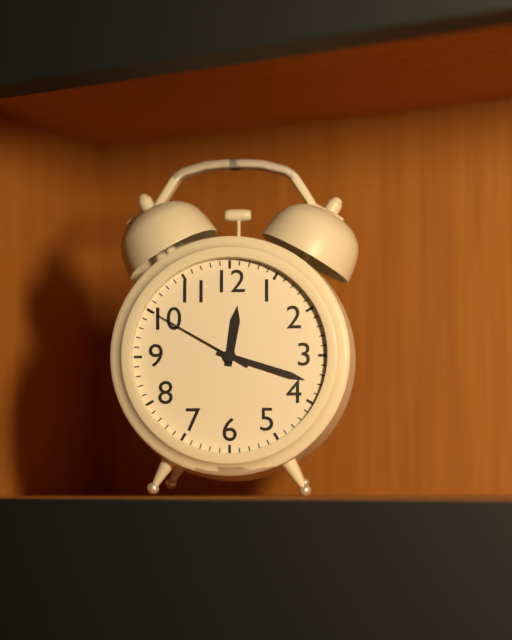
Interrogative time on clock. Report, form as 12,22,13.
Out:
12,18,50
